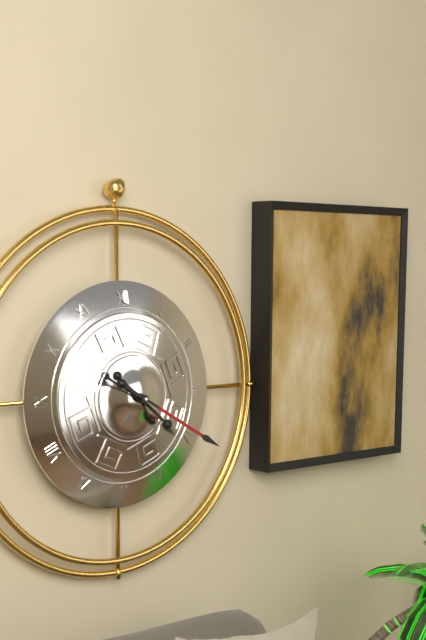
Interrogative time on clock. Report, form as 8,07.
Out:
4,20
